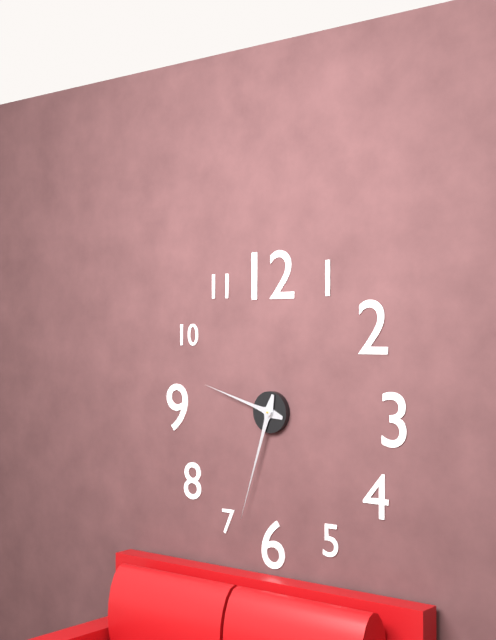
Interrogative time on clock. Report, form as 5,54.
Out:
9,33
